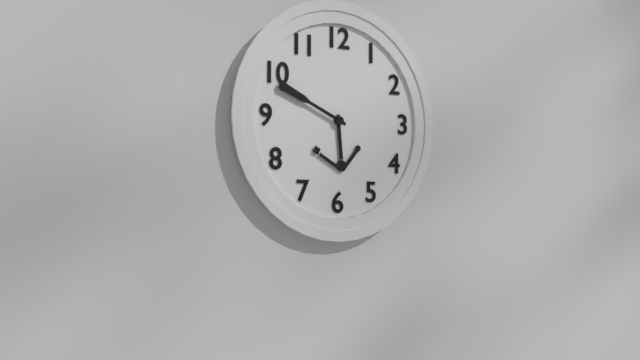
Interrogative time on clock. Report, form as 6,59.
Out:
5,49
